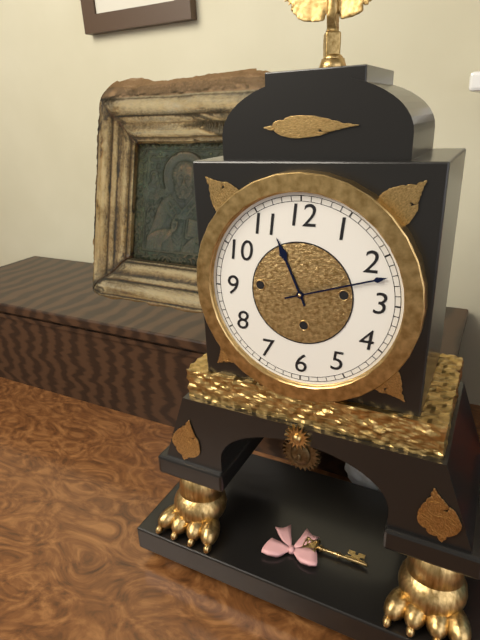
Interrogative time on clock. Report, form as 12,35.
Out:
11,12
